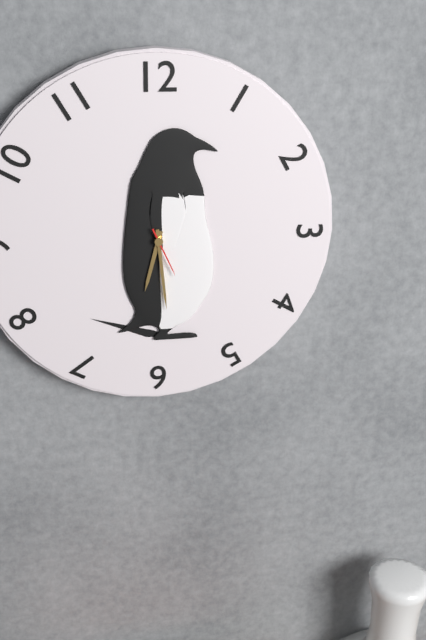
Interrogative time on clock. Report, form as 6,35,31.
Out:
6,29,26
